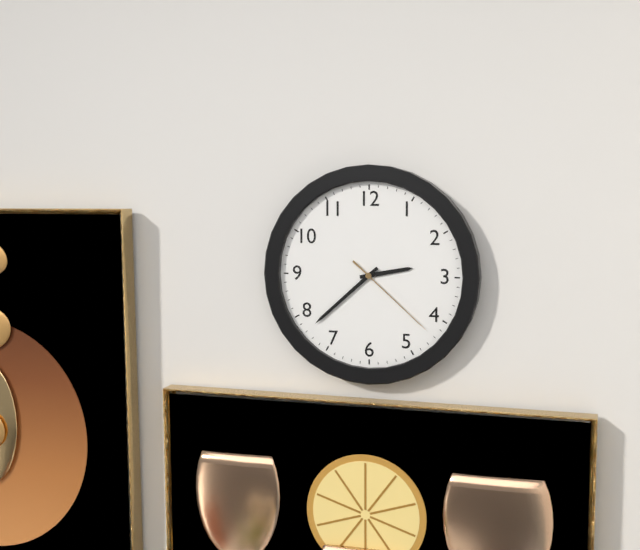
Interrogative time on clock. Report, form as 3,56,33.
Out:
2,38,22
